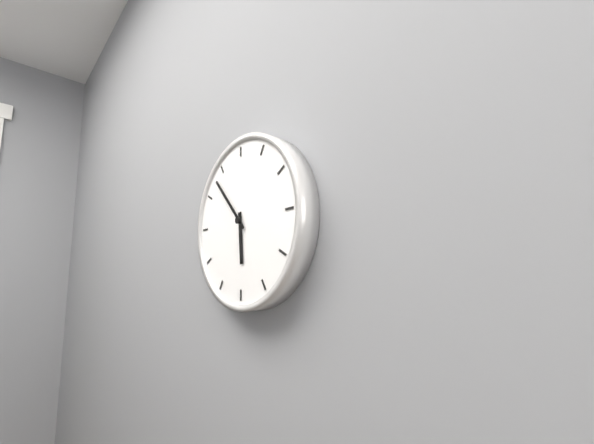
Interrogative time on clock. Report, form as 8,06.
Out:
5,53
